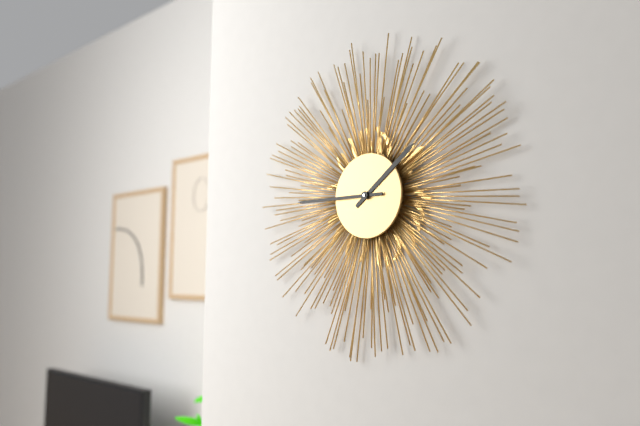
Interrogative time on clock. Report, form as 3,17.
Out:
1,45
